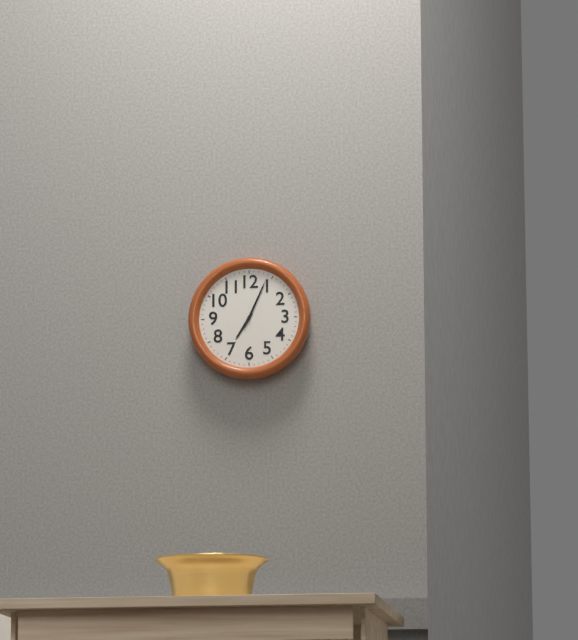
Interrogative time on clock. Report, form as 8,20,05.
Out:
7,04,04
